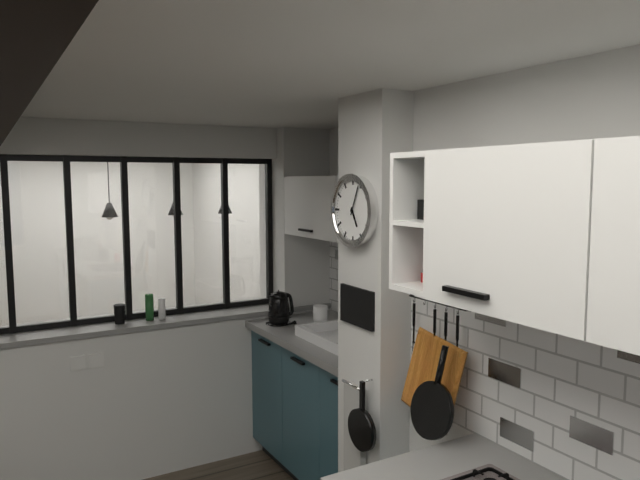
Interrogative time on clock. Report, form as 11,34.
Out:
5,04
